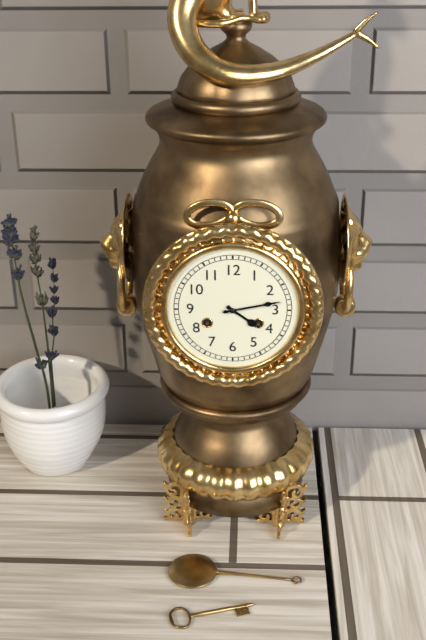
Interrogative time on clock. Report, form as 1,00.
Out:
4,13
